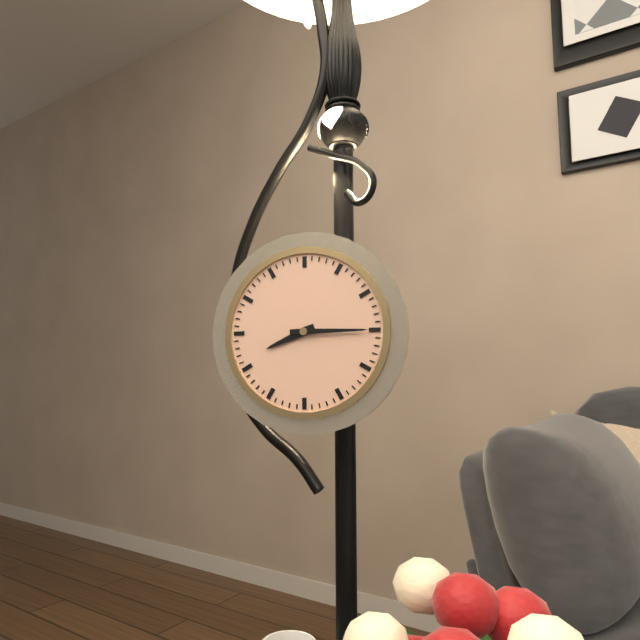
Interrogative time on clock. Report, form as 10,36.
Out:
8,15
